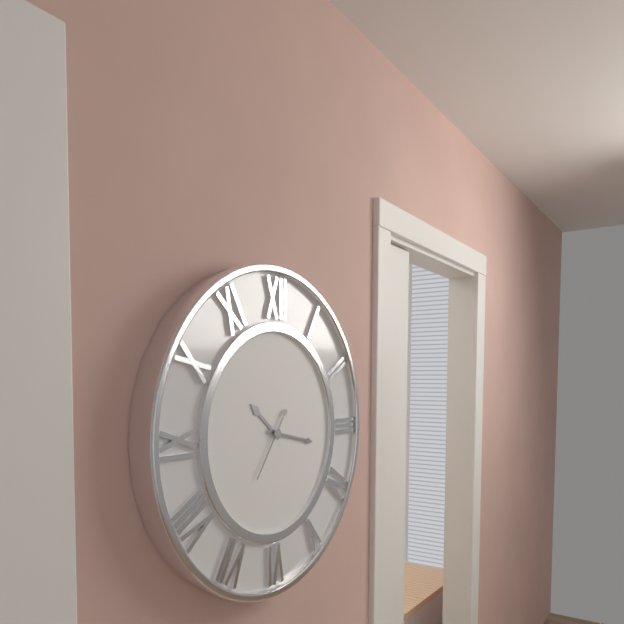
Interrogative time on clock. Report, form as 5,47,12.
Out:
10,17,36
